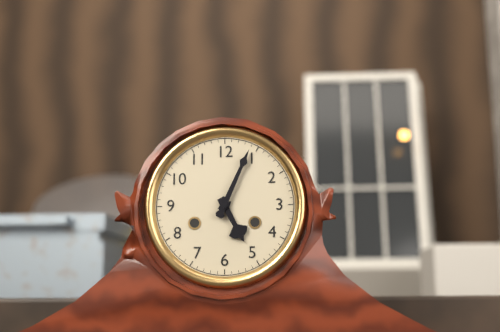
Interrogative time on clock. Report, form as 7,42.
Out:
5,04
